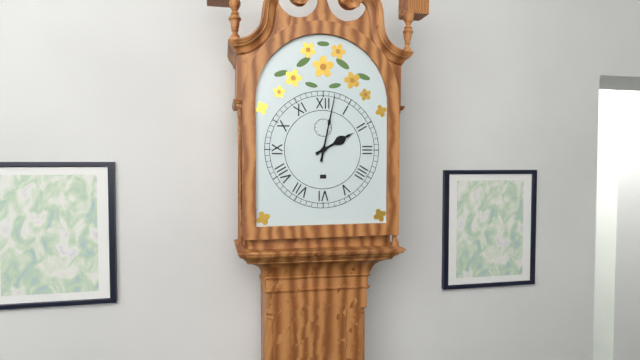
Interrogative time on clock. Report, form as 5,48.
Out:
2,02
